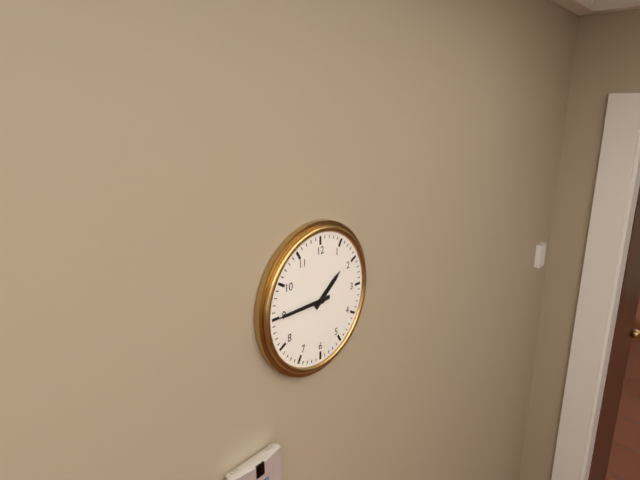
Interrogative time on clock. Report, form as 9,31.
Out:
1,45
